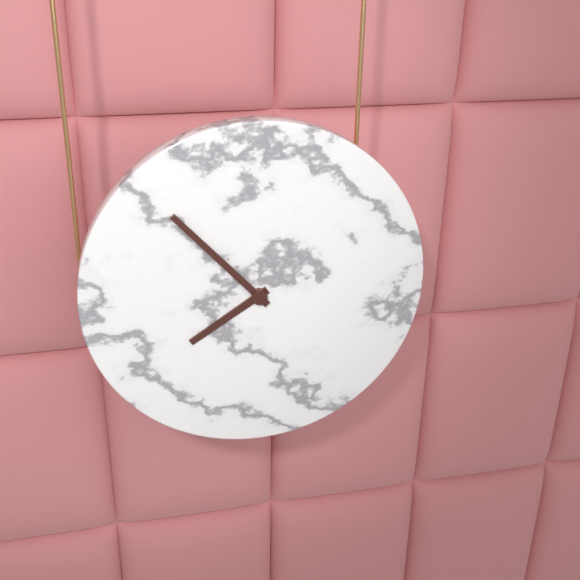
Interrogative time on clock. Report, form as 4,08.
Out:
7,53
